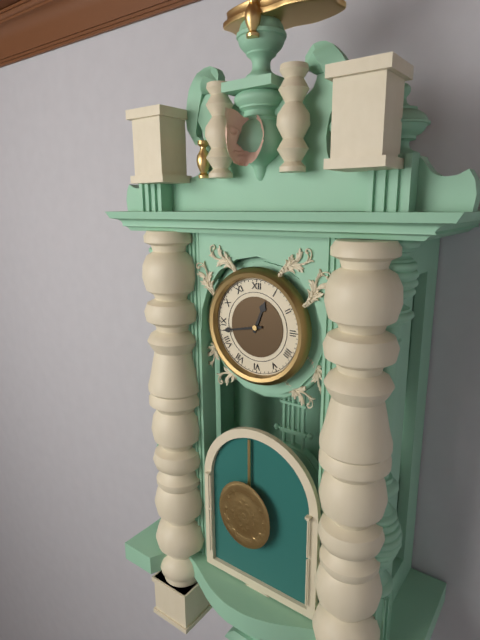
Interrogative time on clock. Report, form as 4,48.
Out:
12,43
